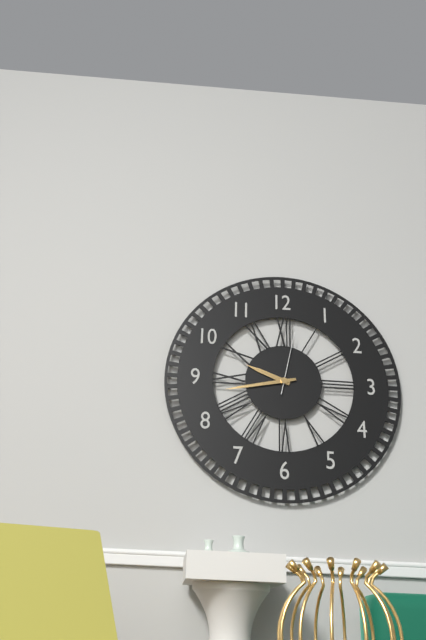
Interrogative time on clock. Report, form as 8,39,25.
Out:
9,43,02
